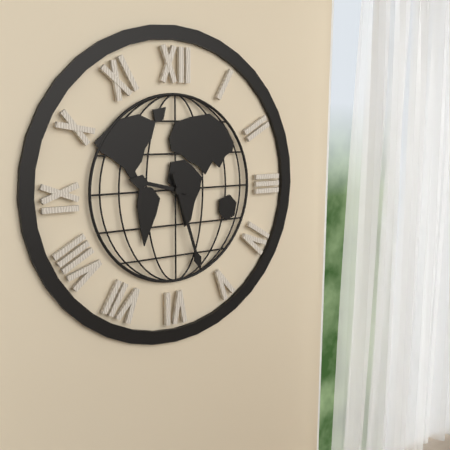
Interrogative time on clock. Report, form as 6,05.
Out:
9,27
